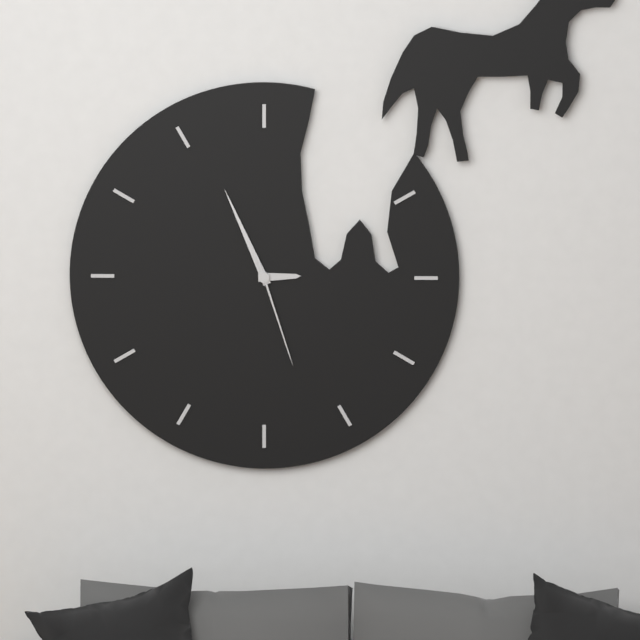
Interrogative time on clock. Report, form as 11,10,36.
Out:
2,56,27
